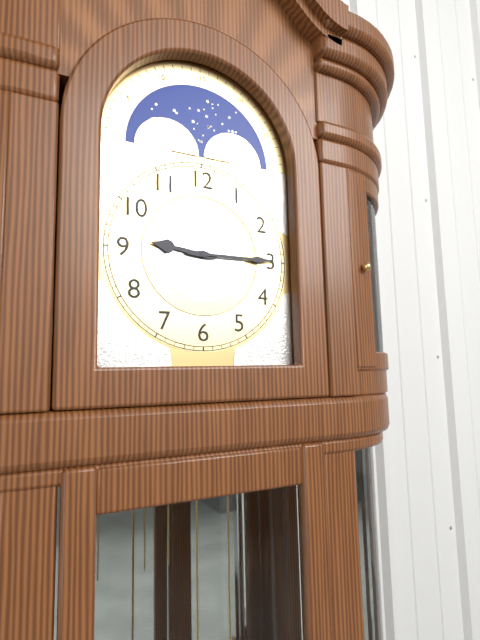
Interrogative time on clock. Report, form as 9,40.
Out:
9,15
